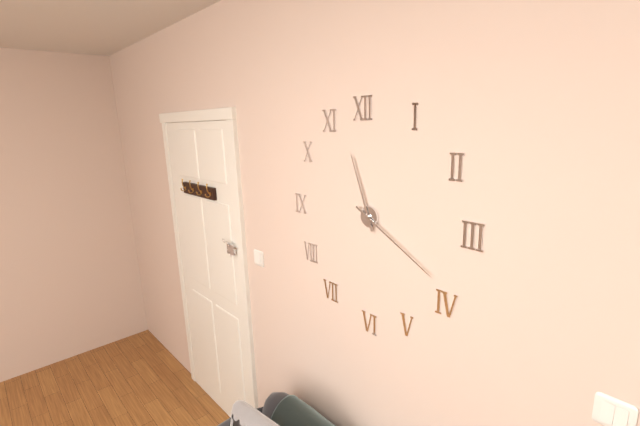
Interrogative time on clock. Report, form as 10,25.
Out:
11,20
